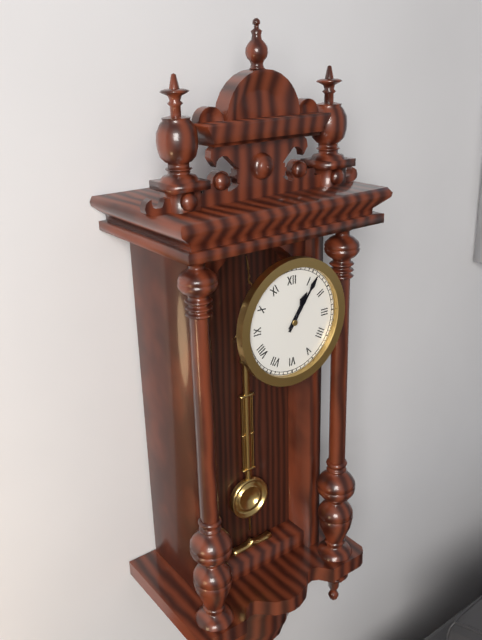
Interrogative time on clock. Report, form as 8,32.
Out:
1,06
